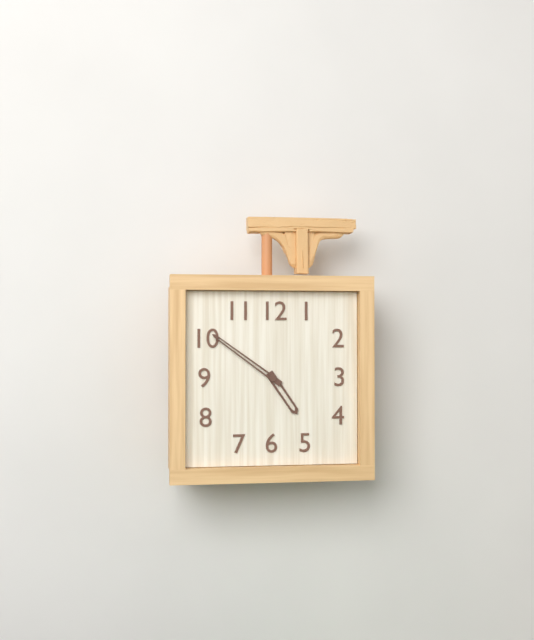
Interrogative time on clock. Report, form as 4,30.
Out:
4,51
